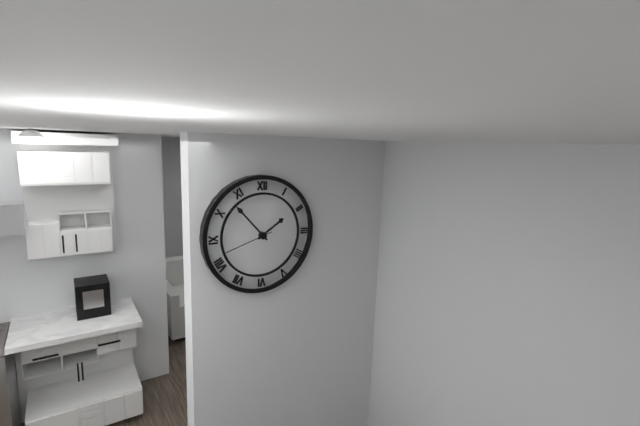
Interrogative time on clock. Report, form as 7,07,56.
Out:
1,53,42
